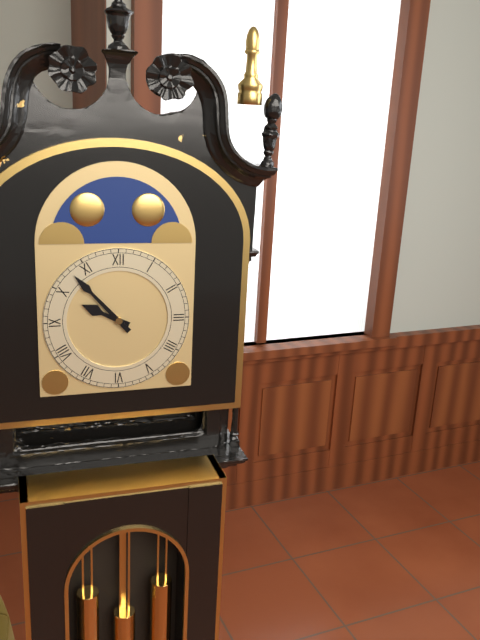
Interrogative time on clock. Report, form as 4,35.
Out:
9,53
